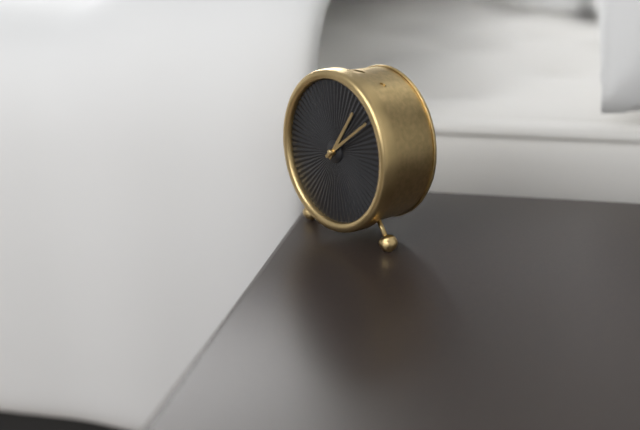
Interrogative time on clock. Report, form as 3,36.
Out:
1,09
